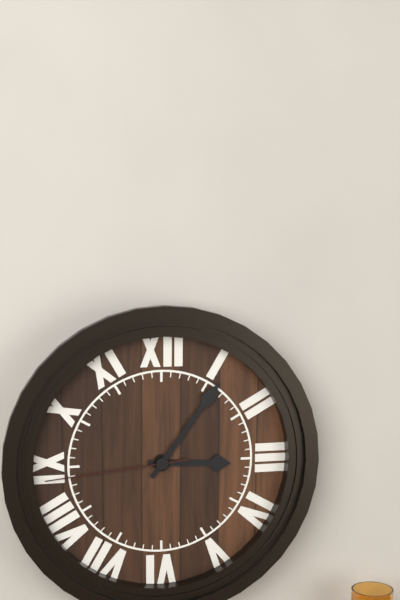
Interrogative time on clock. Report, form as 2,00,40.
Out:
3,06,44
